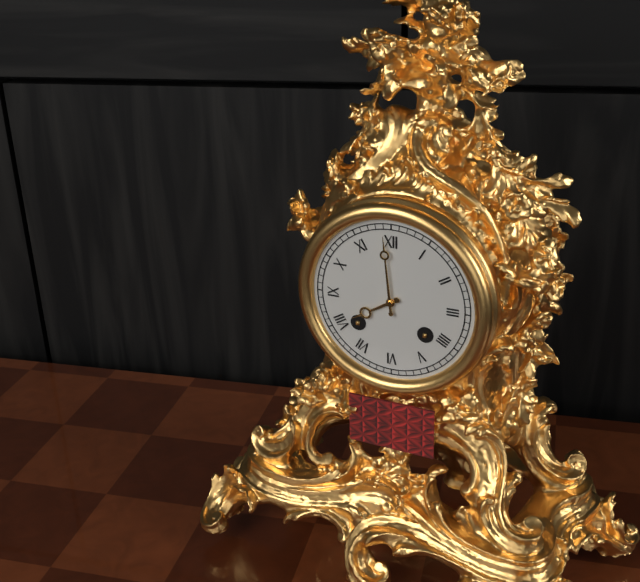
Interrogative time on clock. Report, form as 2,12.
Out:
7,59
